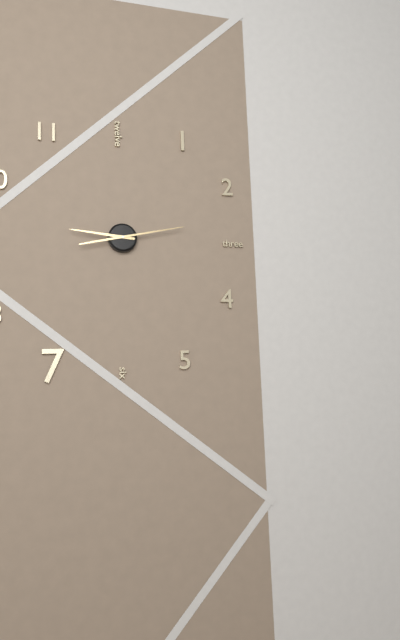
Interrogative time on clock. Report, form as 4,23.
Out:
9,13
